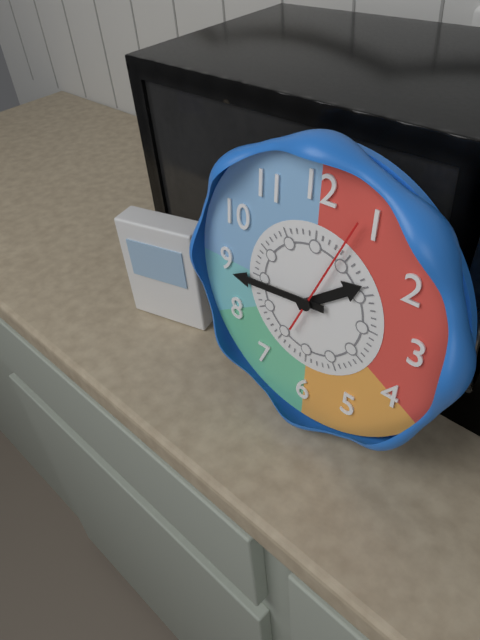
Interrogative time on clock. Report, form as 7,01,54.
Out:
1,44,04
